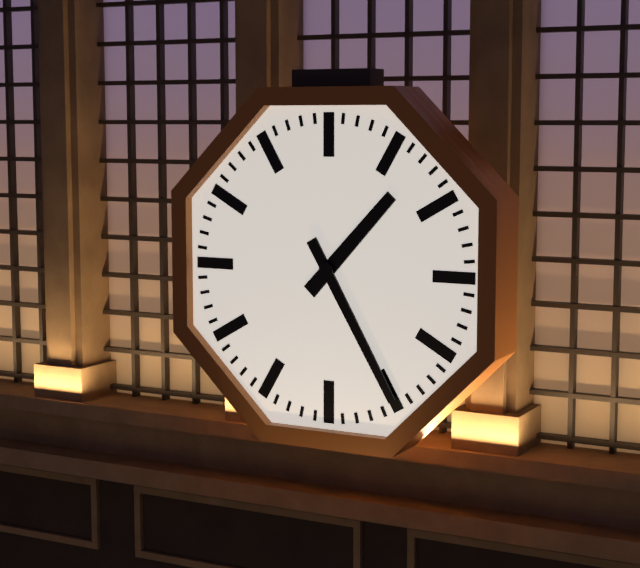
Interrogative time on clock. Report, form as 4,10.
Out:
1,25
